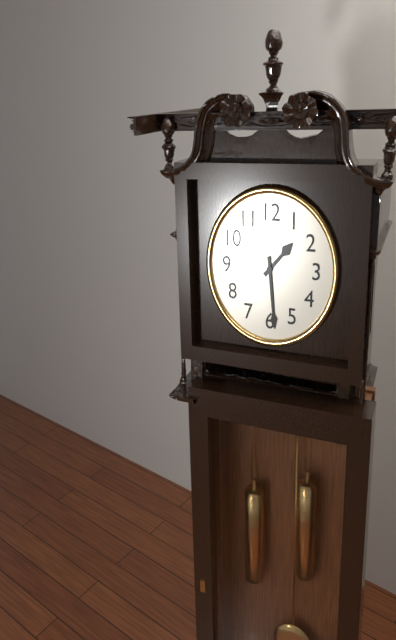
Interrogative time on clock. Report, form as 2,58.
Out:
1,29
